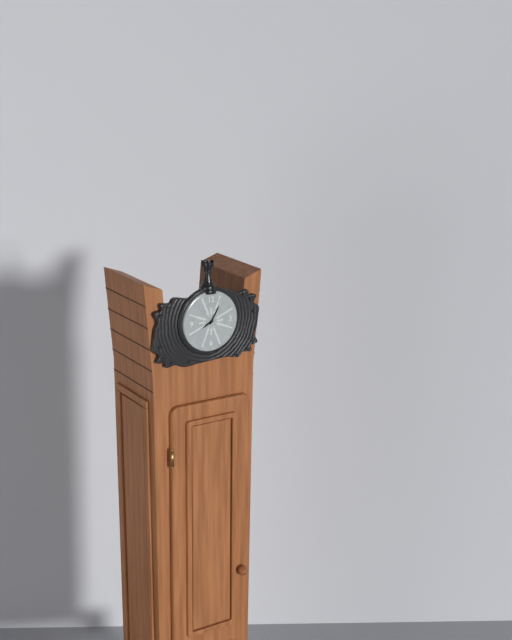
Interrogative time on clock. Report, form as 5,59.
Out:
8,05
